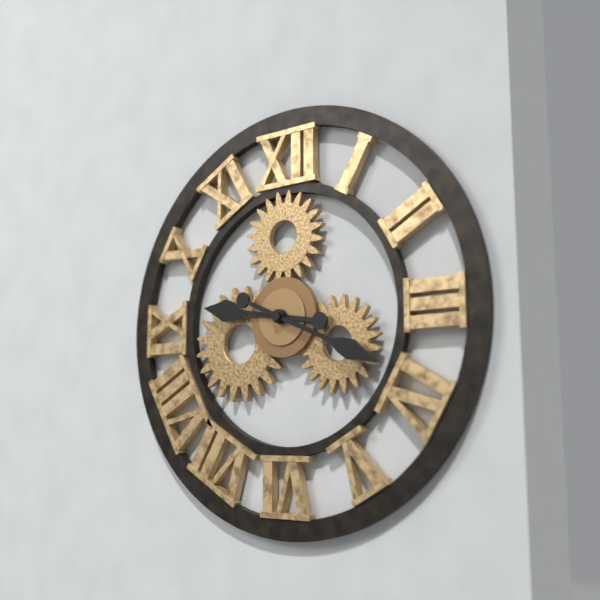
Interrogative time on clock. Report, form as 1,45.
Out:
9,19
